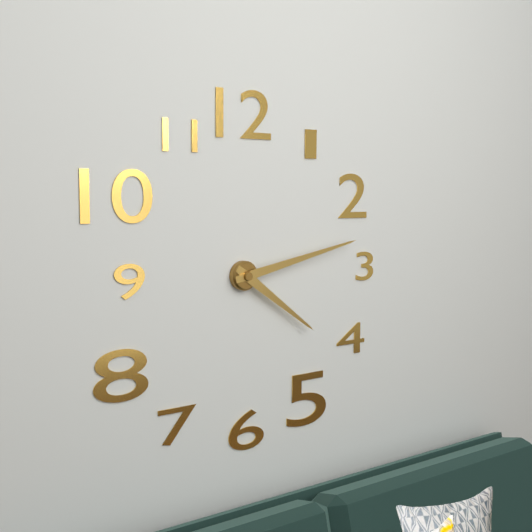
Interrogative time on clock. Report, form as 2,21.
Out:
4,13
